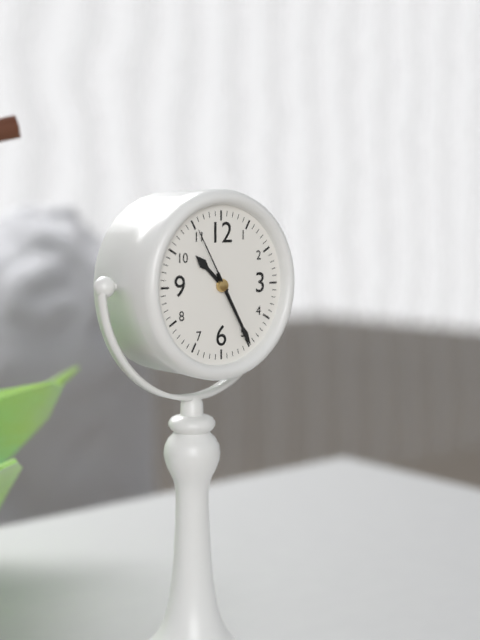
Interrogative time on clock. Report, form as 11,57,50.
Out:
10,25,55
